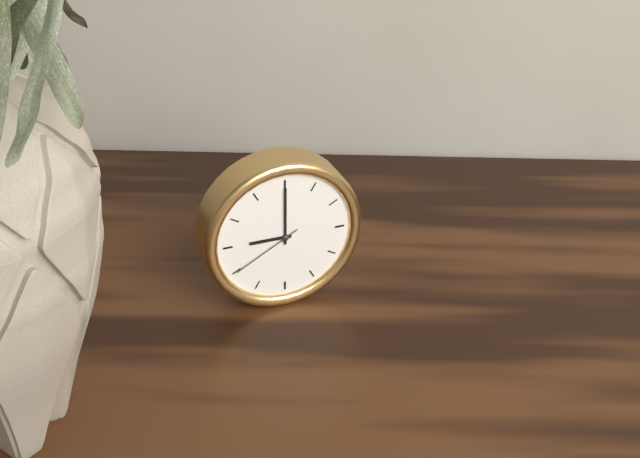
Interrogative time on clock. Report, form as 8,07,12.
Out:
9,00,40
